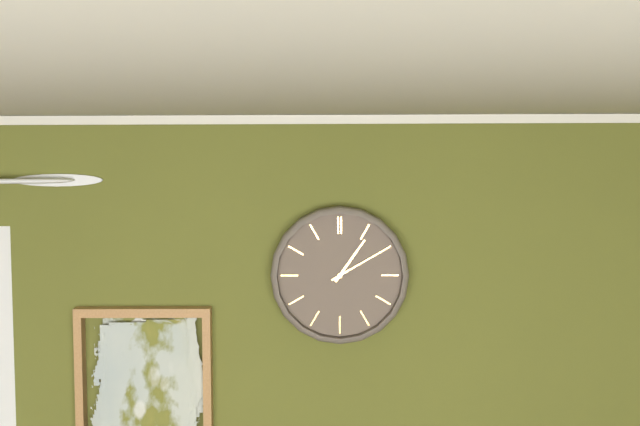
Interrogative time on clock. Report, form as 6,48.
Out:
1,10
